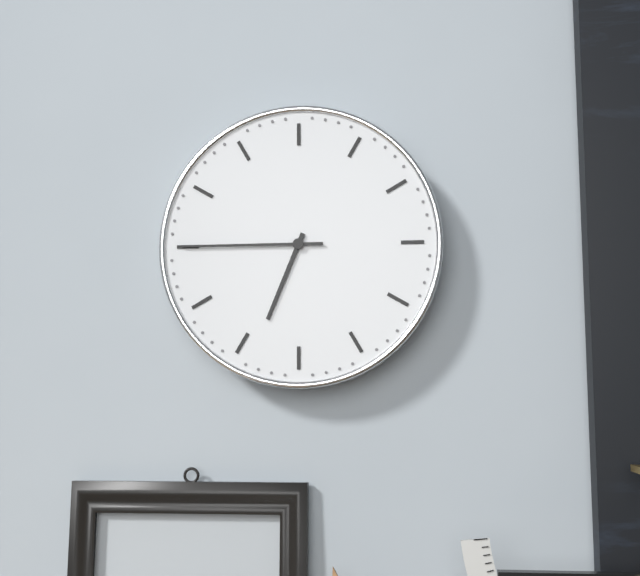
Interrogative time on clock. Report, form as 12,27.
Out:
6,45
